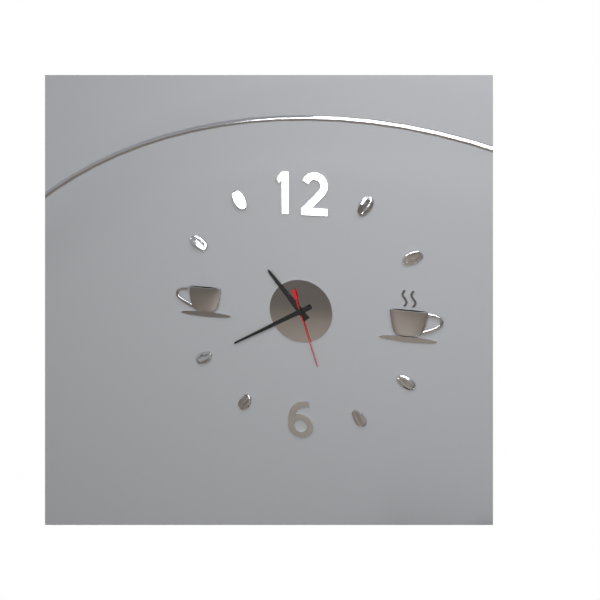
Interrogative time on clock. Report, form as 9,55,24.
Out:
10,40,27
